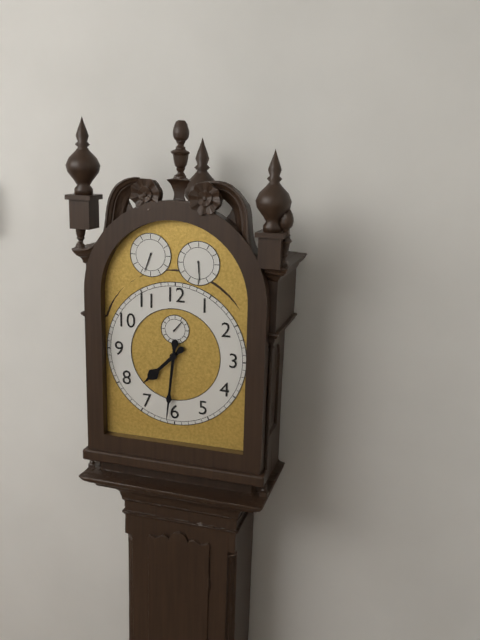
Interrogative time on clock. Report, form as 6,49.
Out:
7,31
